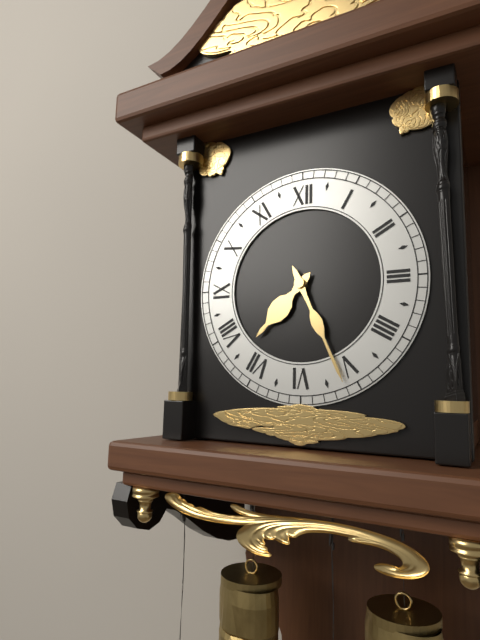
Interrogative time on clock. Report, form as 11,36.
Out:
7,26
